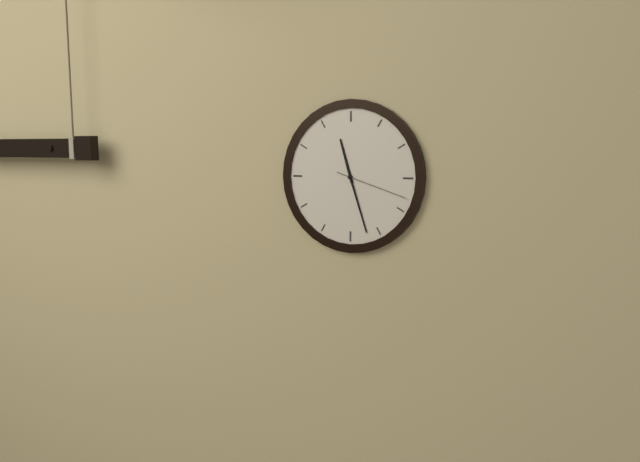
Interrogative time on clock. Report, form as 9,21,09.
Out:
11,27,18
